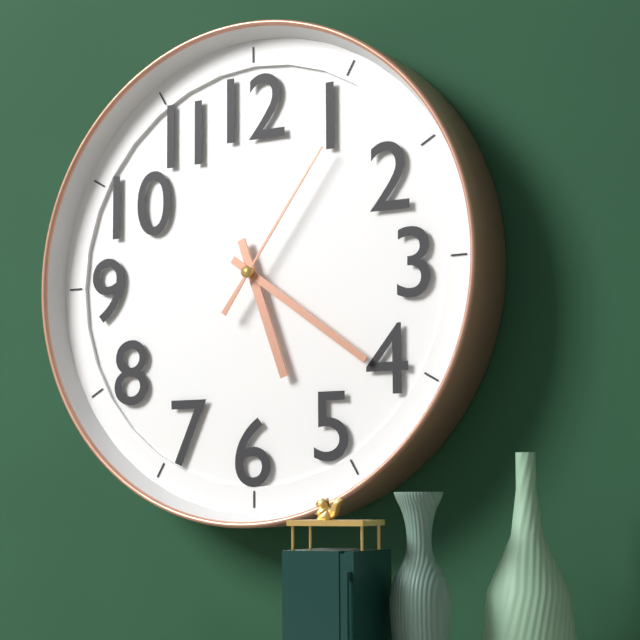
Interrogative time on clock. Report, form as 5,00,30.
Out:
5,21,06
